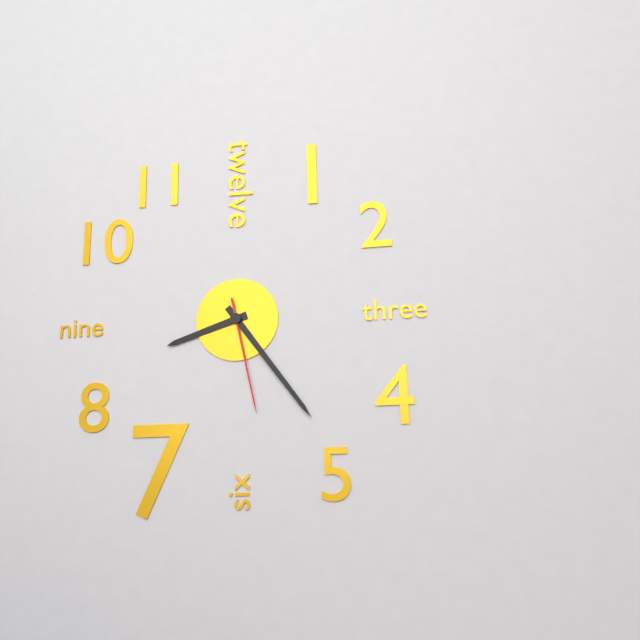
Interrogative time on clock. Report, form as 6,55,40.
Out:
8,24,28
